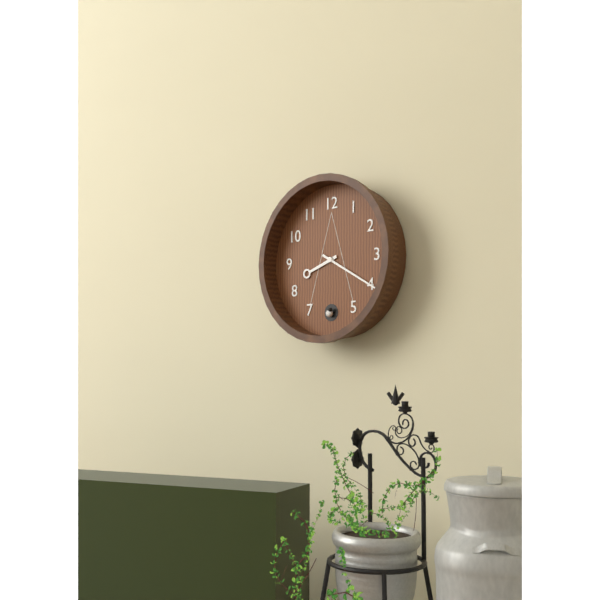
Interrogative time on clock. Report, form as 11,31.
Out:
8,20
